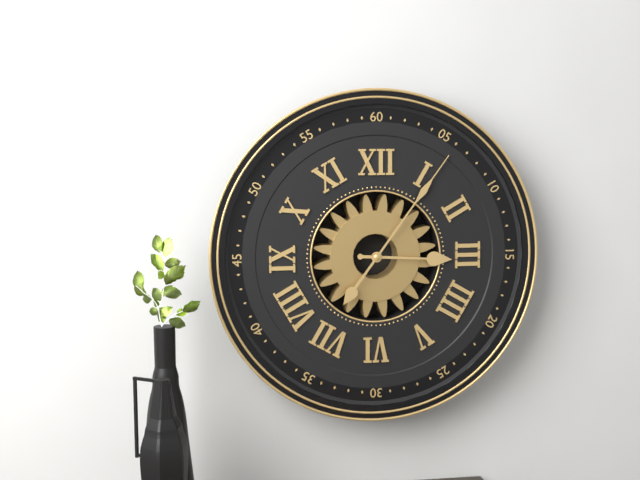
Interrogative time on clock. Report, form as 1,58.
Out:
3,06
